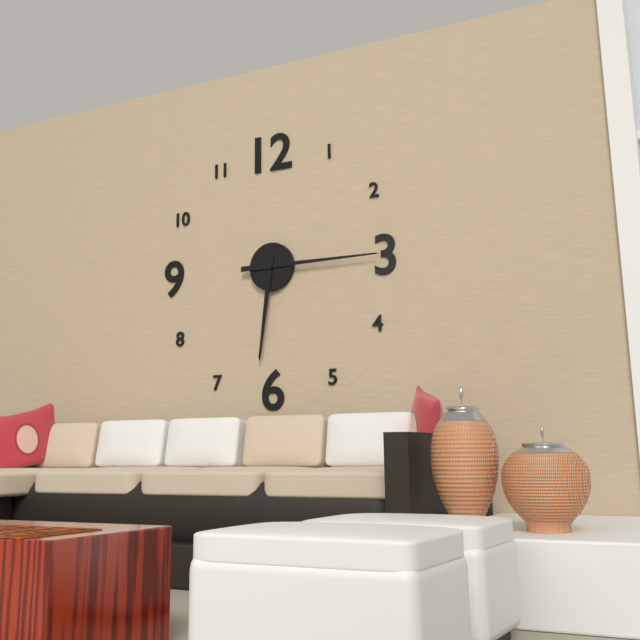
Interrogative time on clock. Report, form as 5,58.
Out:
6,15
